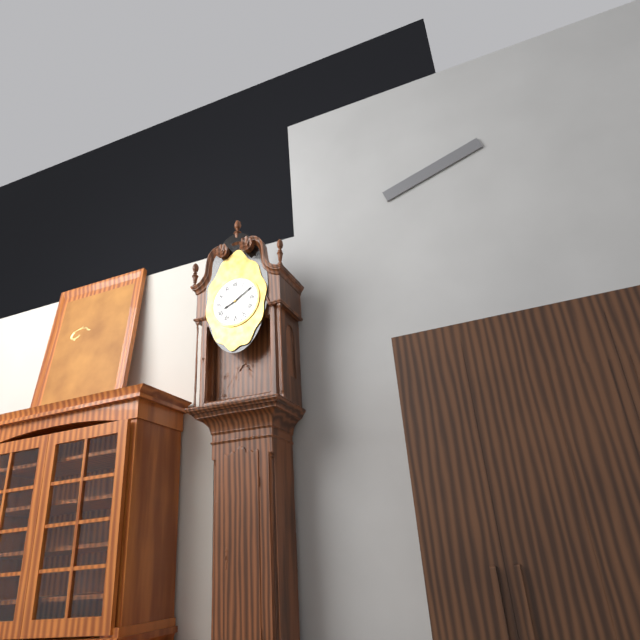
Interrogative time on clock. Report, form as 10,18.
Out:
8,10
